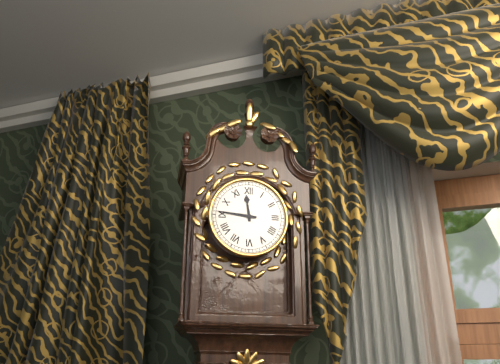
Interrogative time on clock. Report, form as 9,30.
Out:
11,46
